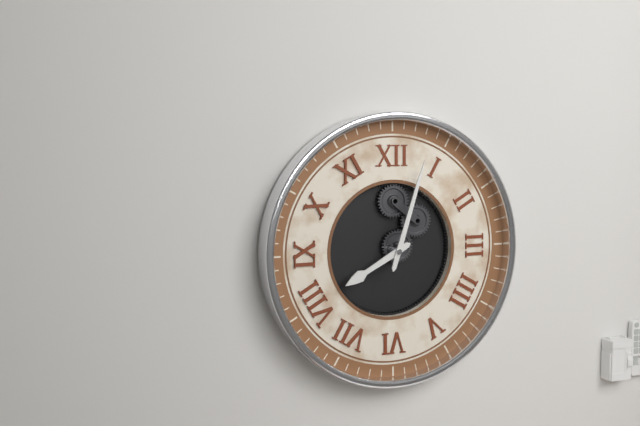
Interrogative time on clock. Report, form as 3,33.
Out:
8,03
